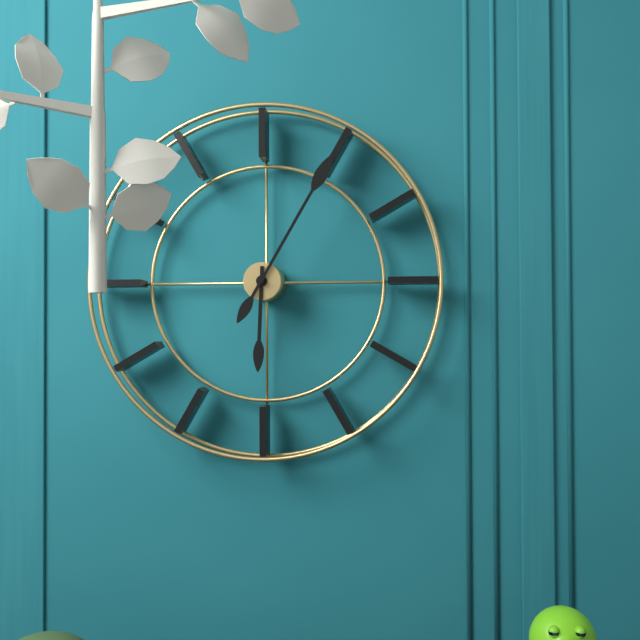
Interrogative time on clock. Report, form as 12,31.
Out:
6,05
